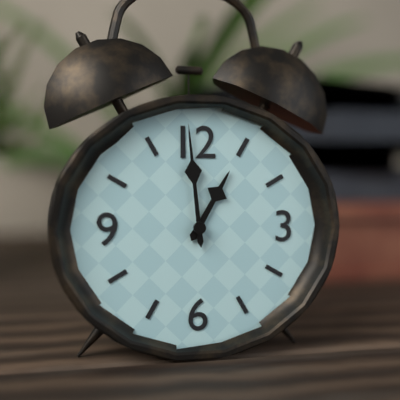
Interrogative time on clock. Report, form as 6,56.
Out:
12,59
